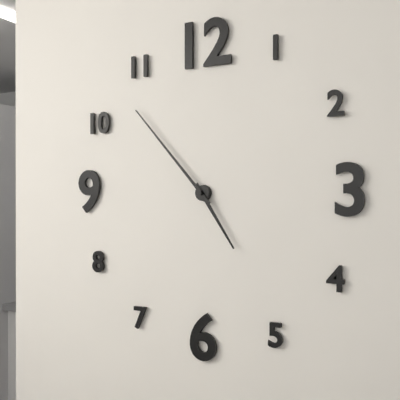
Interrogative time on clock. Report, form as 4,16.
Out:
4,53
